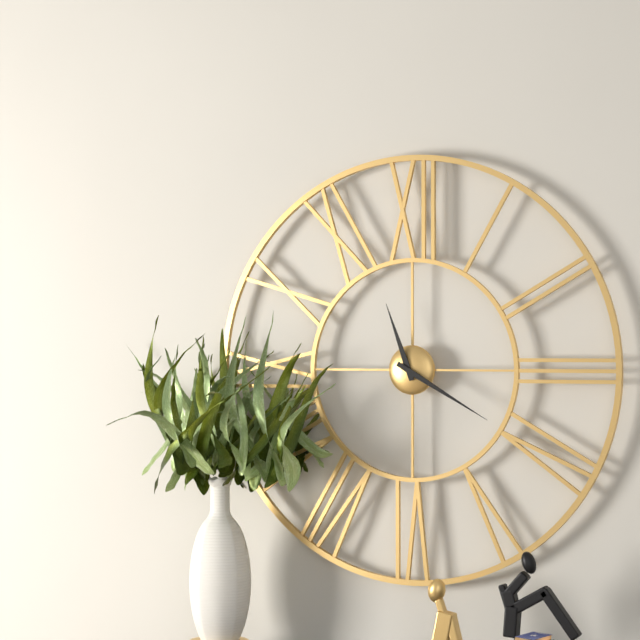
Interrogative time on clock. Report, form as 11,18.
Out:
11,20
